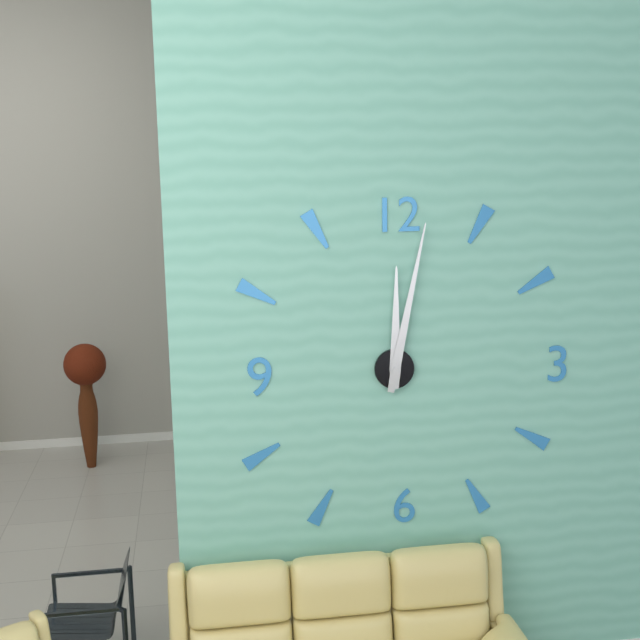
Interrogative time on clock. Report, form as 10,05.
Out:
12,02
